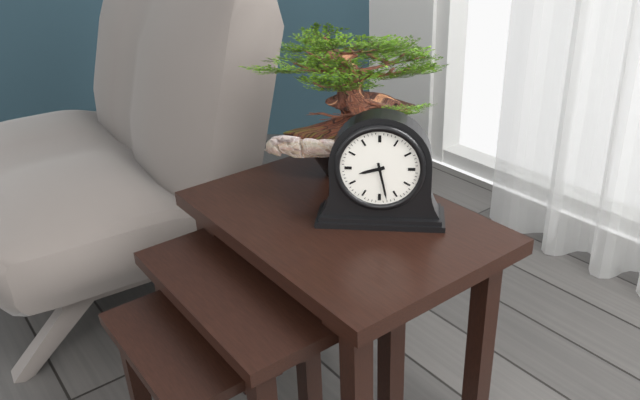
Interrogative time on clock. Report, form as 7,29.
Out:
8,28
